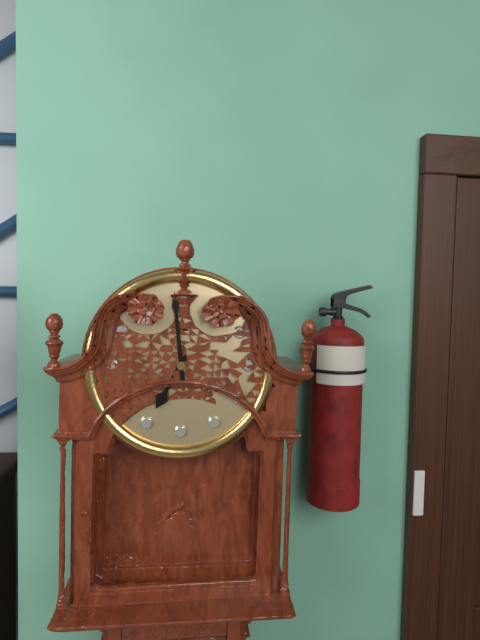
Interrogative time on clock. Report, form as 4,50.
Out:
6,59
